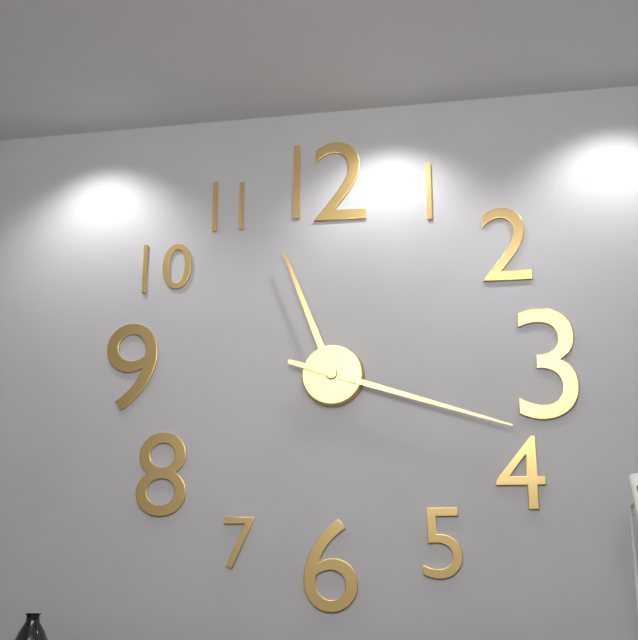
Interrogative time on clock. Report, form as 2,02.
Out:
11,18
